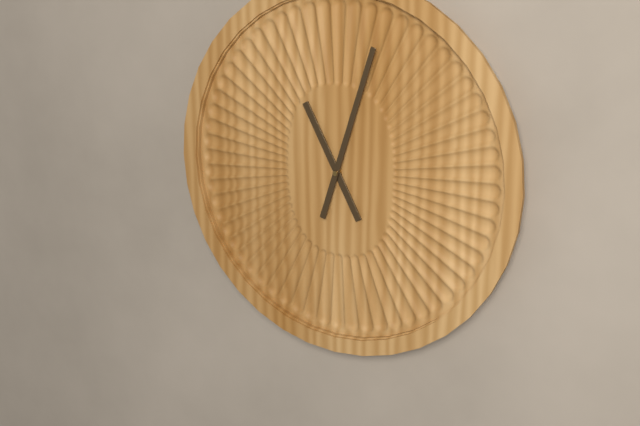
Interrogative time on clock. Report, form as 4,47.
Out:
11,03
